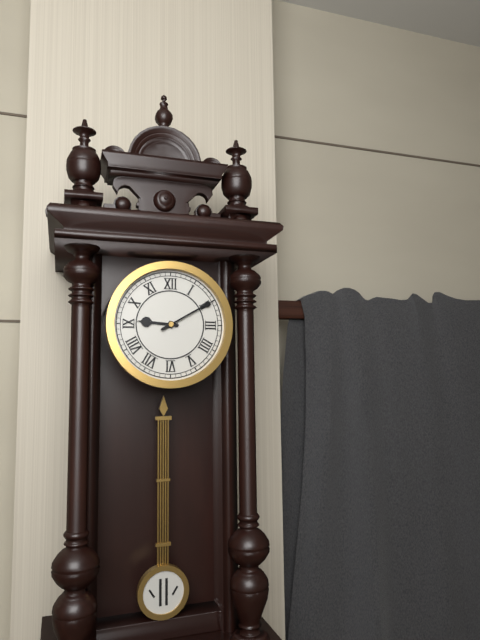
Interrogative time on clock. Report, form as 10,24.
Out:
9,10
